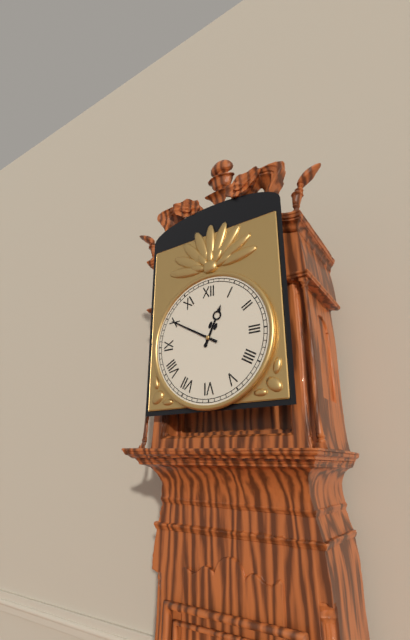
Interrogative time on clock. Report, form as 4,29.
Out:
12,50
